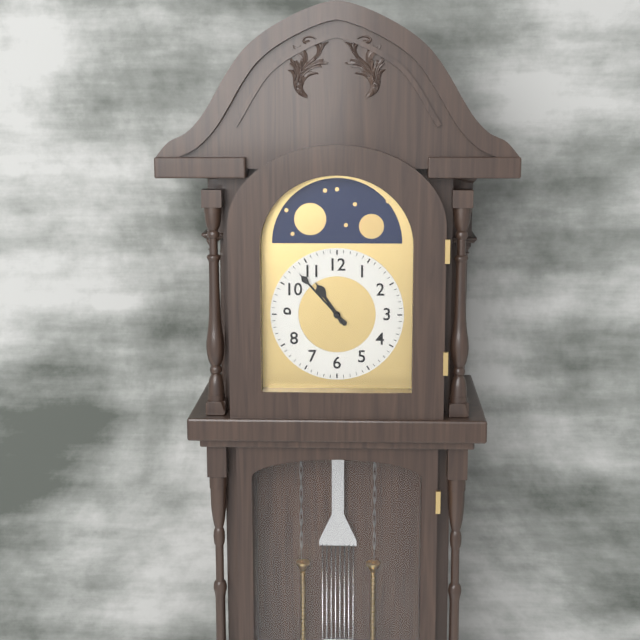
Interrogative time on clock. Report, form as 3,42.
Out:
10,53
